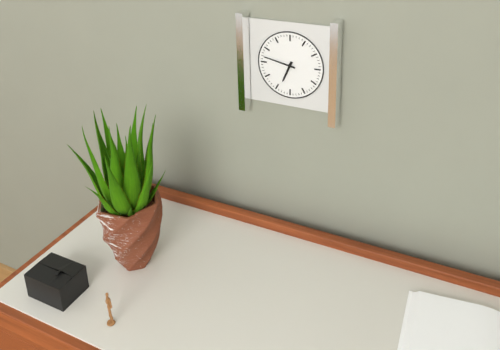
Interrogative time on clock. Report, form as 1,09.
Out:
6,47
